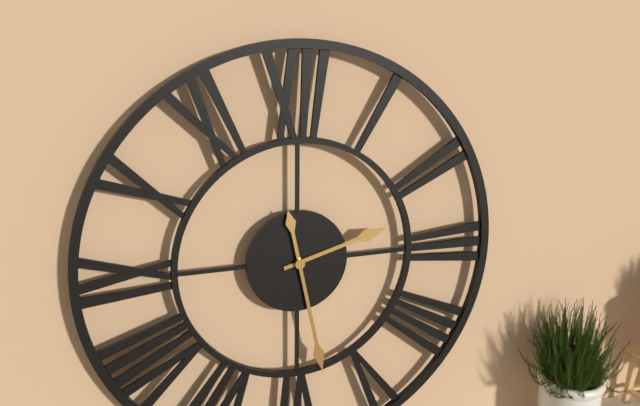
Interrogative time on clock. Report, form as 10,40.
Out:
2,28
